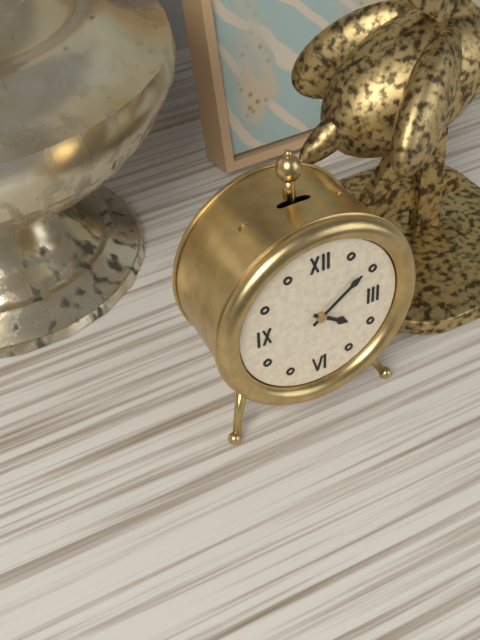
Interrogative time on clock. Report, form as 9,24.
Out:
4,09
